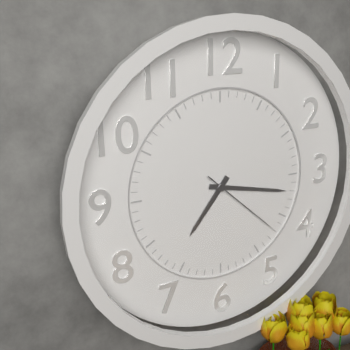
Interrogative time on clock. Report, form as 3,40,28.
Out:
7,17,22
